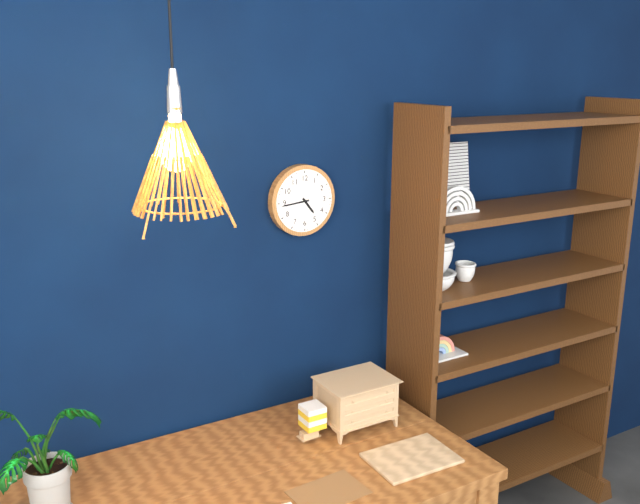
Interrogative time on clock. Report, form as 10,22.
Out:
4,44
